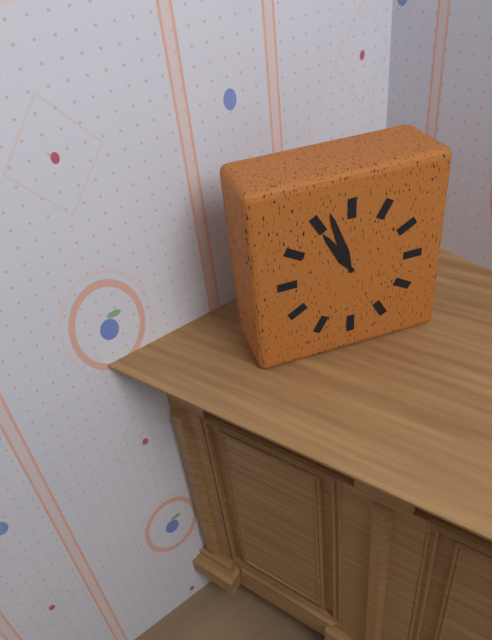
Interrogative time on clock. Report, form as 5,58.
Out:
10,57
